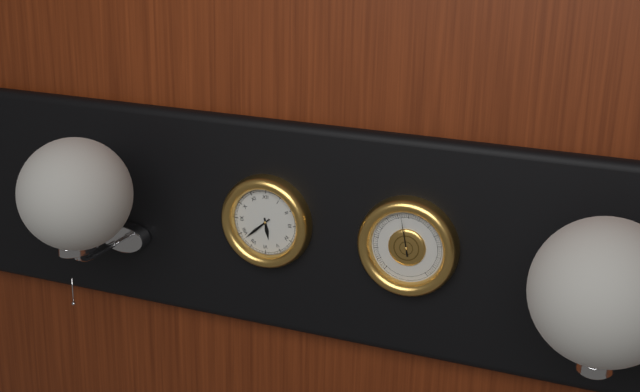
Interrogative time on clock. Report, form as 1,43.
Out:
5,38
